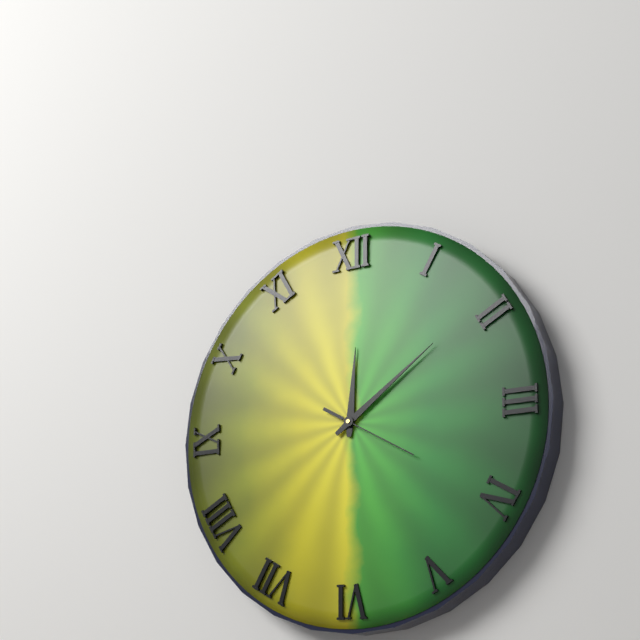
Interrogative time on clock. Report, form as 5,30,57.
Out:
12,09,20
